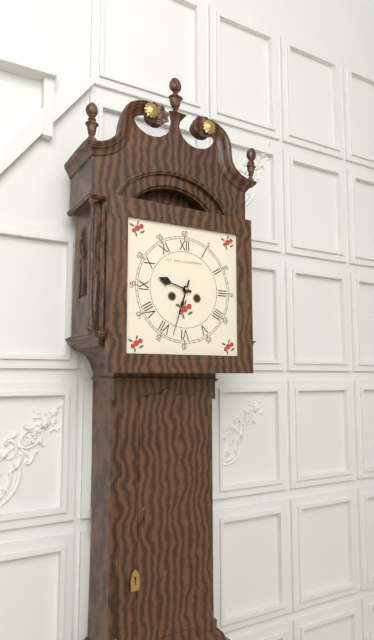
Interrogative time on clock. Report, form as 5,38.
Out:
9,33
